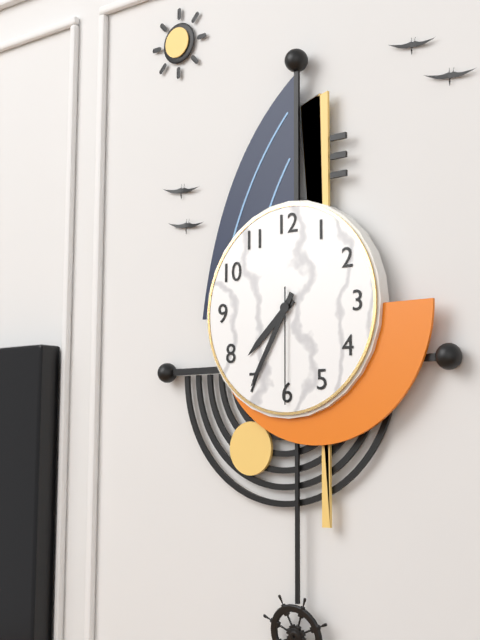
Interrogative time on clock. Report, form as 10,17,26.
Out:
7,35,30
